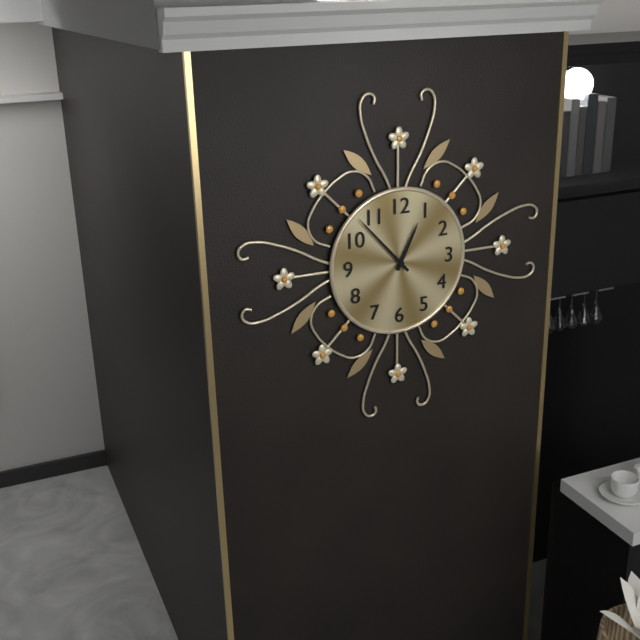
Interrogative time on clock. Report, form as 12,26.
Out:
12,53
